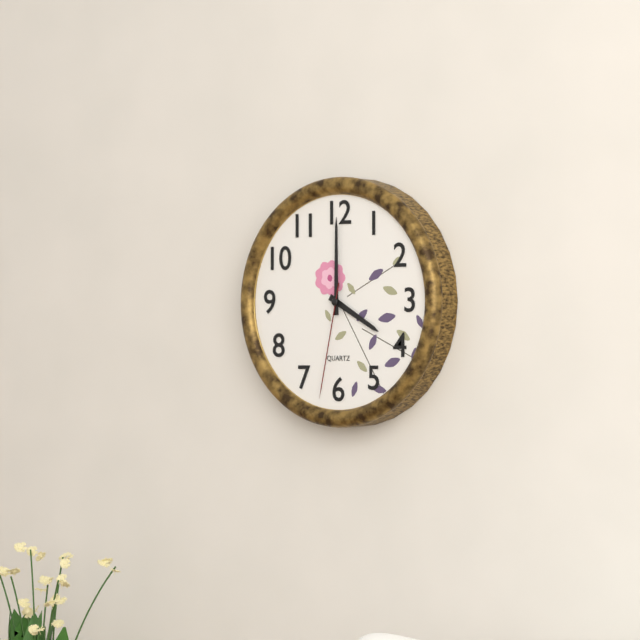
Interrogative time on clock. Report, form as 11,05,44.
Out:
4,00,32
